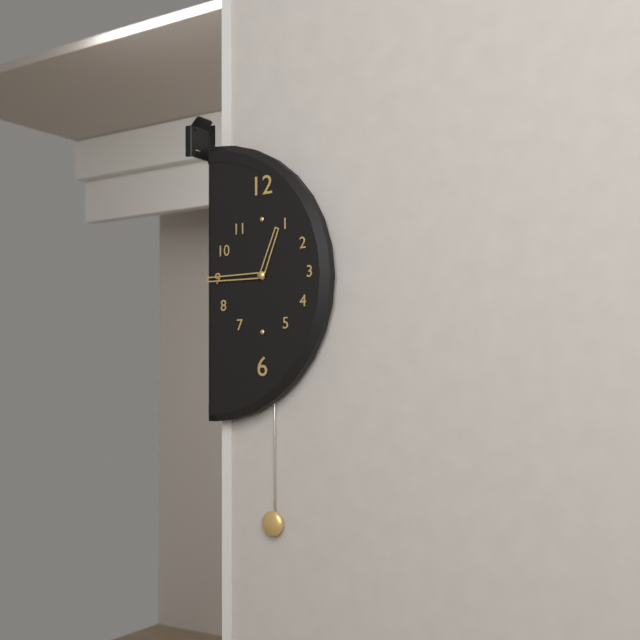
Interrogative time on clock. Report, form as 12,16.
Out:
12,45
